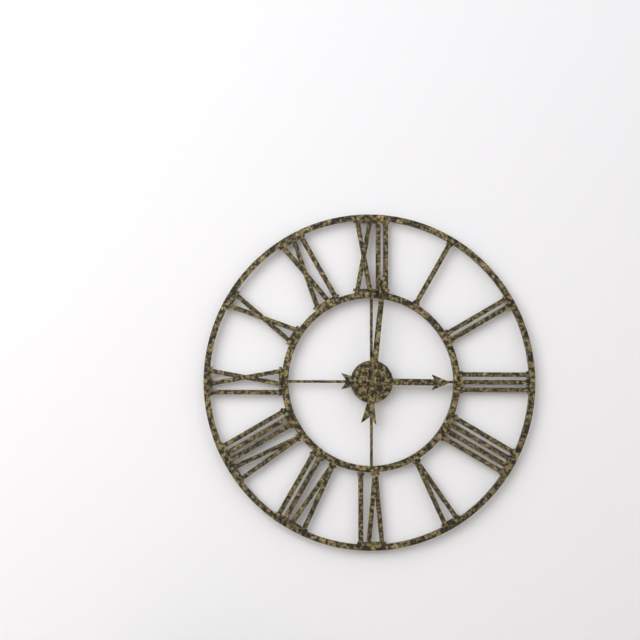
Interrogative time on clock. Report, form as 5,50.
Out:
3,01
